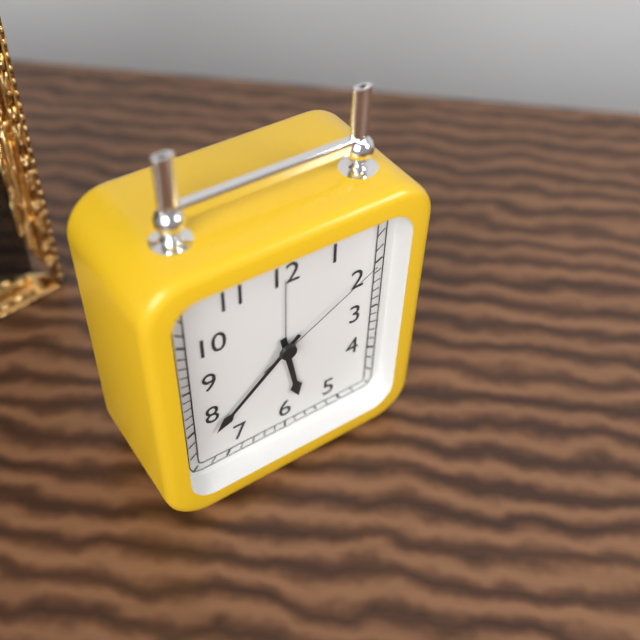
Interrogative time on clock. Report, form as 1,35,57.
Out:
5,38,10
